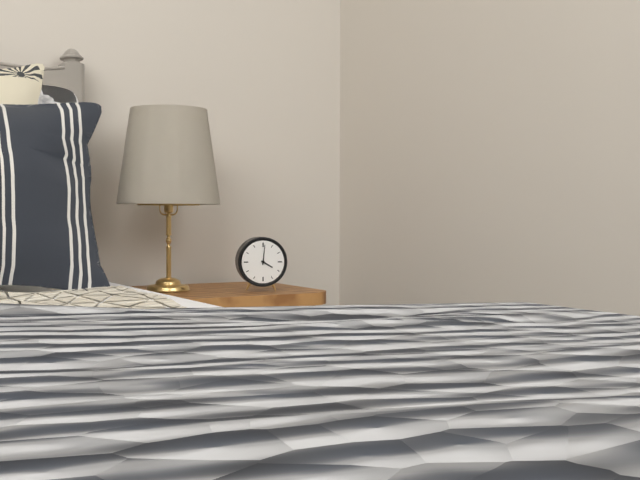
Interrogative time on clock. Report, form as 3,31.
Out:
4,01
